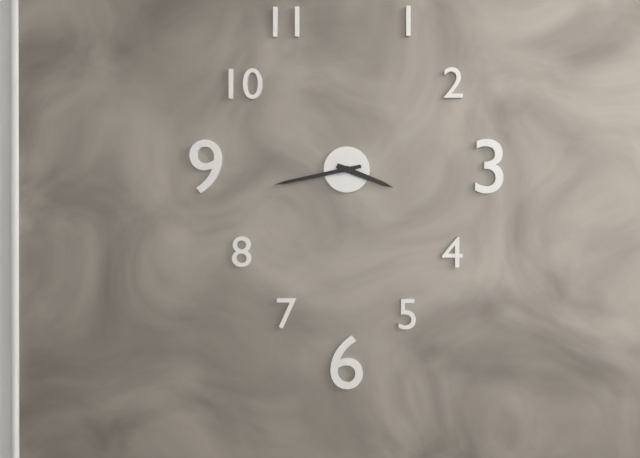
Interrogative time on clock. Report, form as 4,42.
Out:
3,43
